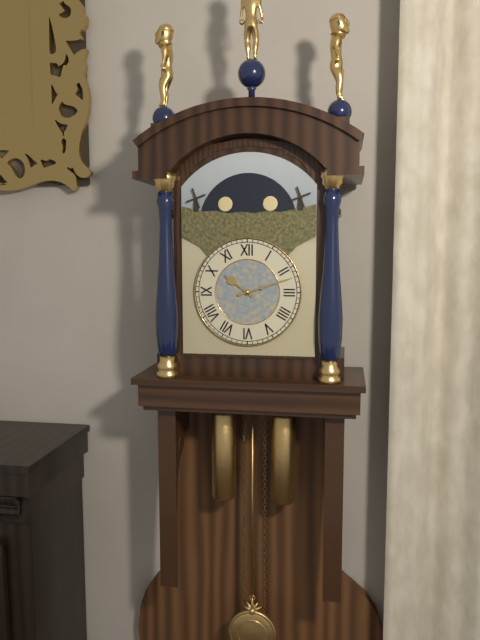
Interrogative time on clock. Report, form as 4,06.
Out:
10,12
